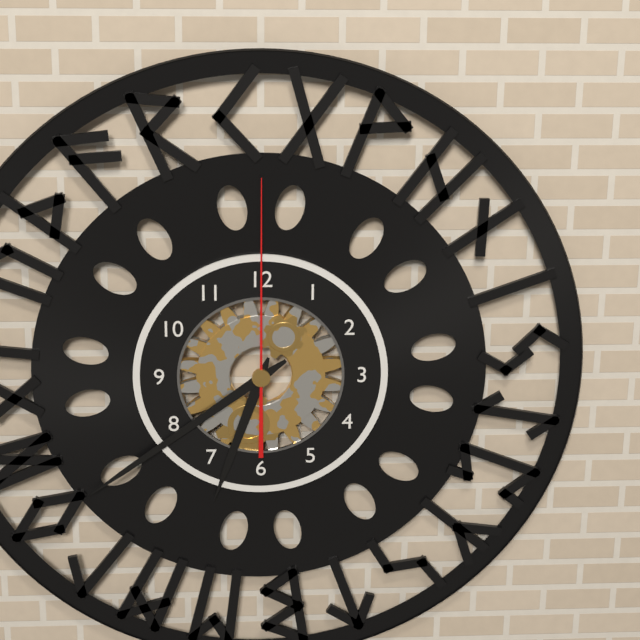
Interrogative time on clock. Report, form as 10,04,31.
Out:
6,39,00
